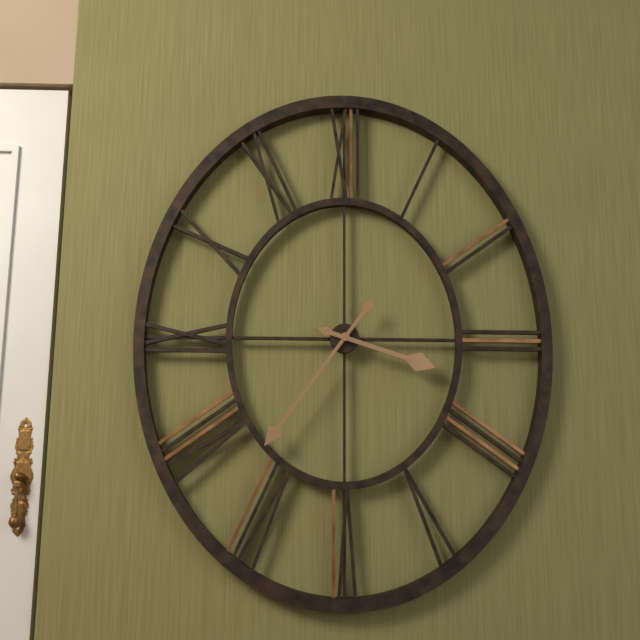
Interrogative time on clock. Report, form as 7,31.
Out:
3,36
